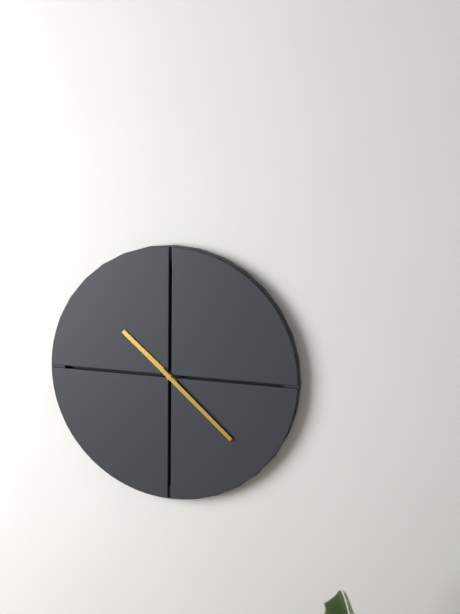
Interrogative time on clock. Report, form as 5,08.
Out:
10,22
